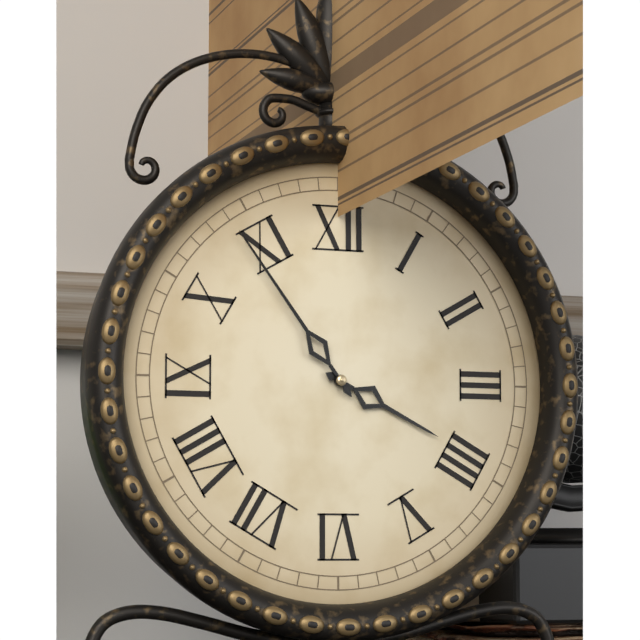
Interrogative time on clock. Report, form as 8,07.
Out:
3,54
